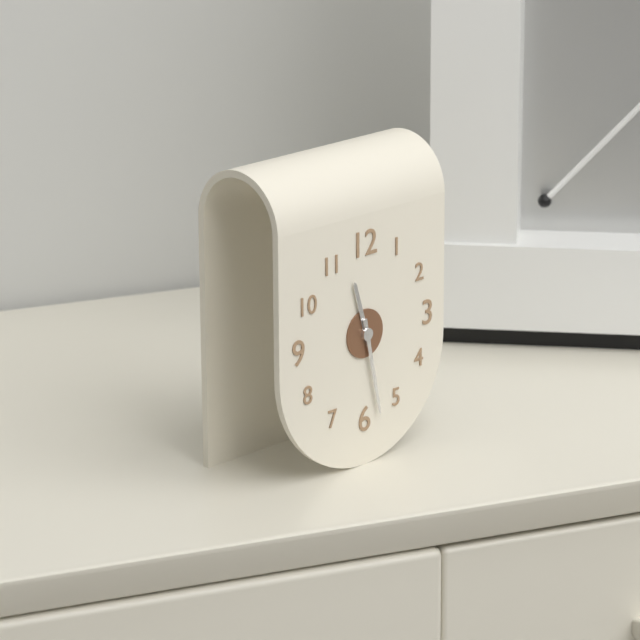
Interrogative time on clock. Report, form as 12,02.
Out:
11,28
